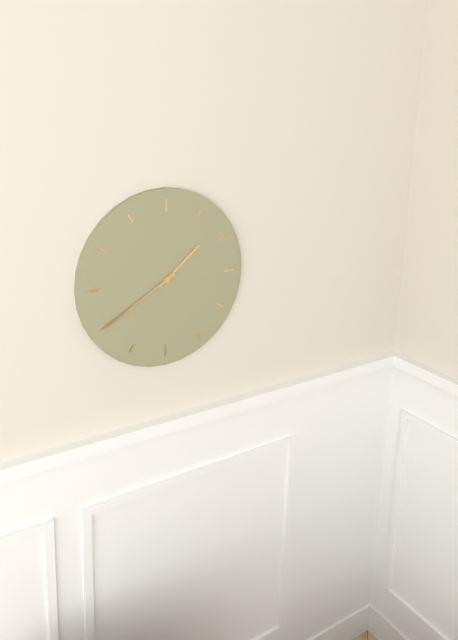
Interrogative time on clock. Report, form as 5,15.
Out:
1,40
